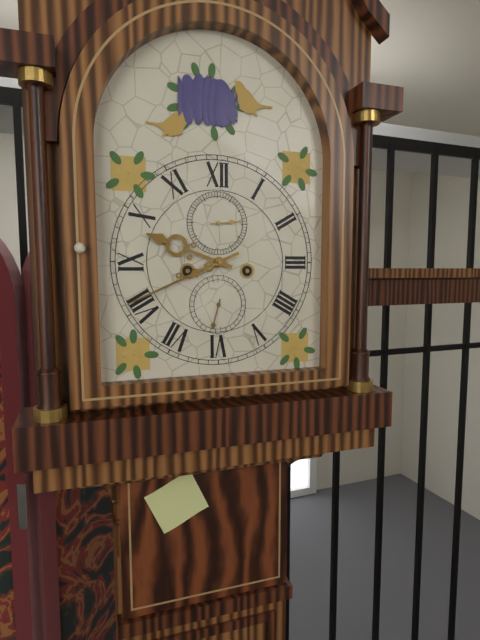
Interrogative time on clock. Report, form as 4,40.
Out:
9,41
